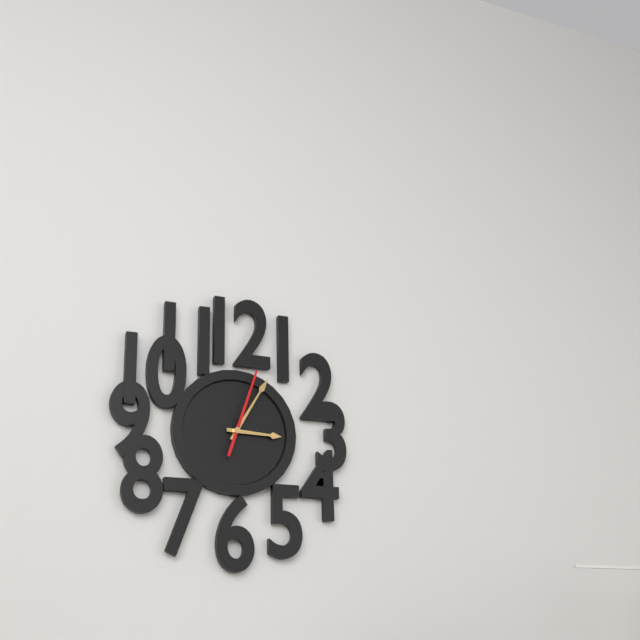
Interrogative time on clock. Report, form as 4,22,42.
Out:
3,05,03
